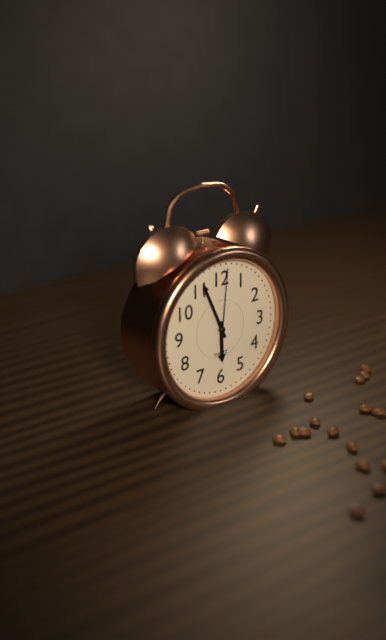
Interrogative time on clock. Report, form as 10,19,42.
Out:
5,56,01
